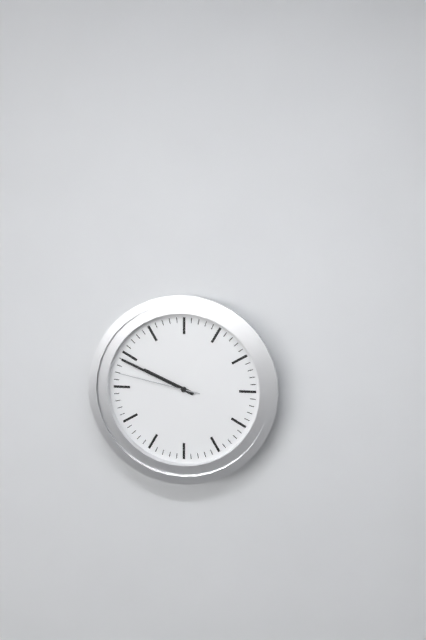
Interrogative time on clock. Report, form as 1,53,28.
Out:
9,49,47
